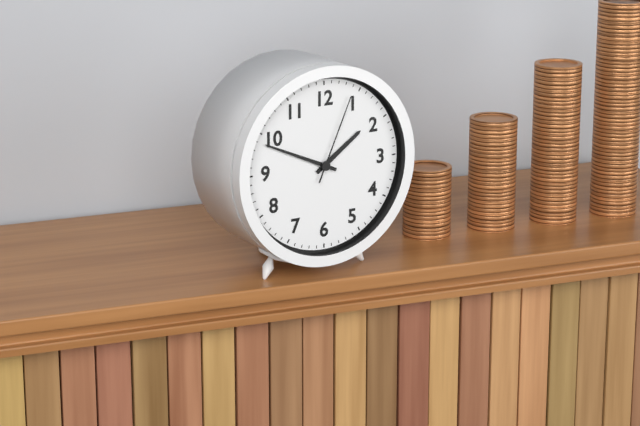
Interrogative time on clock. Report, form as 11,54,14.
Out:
1,49,04
